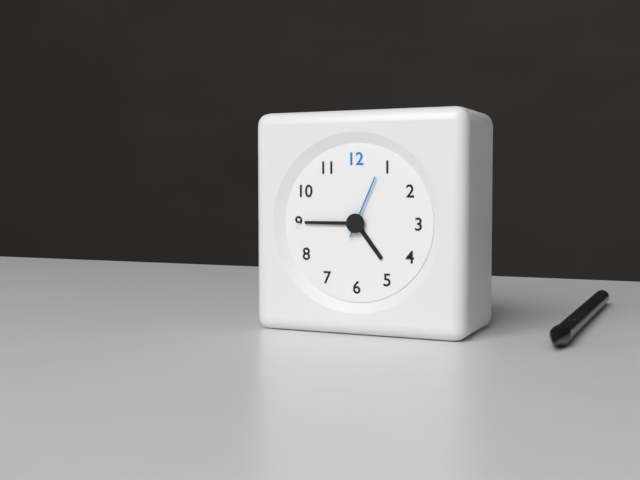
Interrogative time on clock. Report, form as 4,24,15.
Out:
4,45,04
